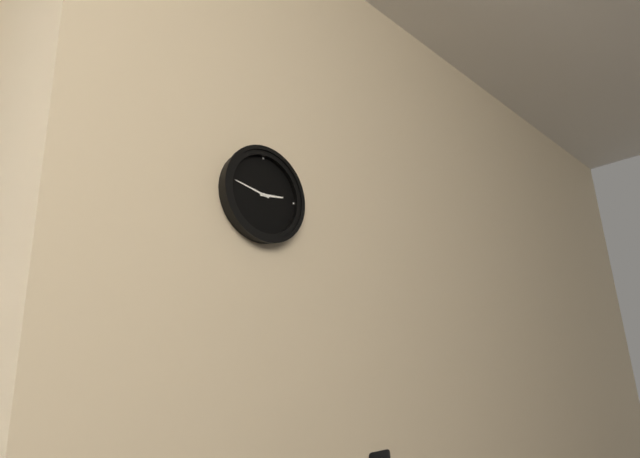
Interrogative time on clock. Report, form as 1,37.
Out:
2,47
